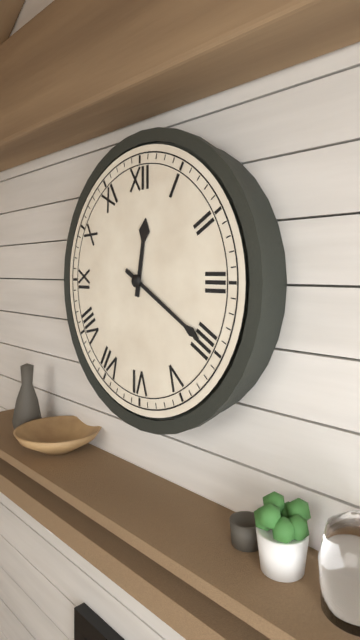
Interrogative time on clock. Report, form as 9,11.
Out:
12,20
